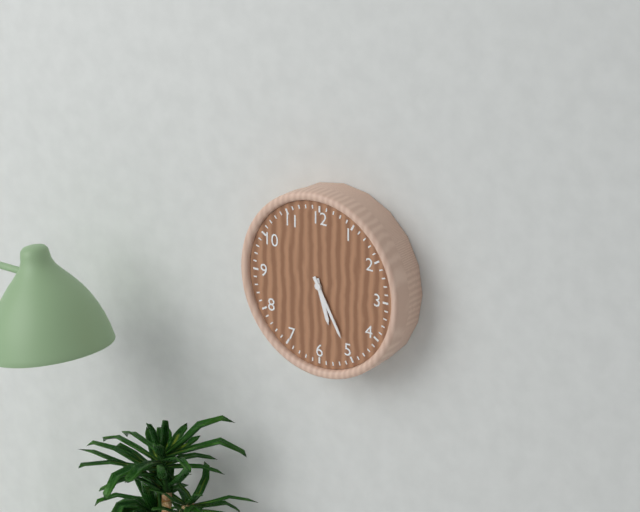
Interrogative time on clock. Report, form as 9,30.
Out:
5,25
